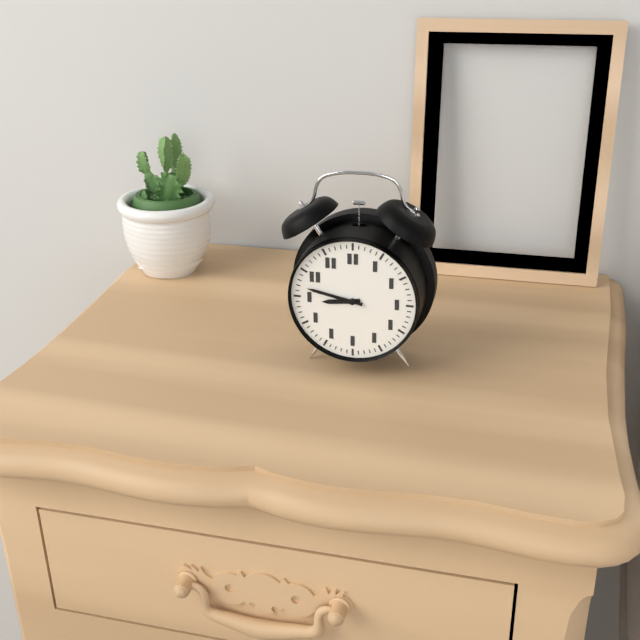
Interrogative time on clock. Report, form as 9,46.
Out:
8,47
